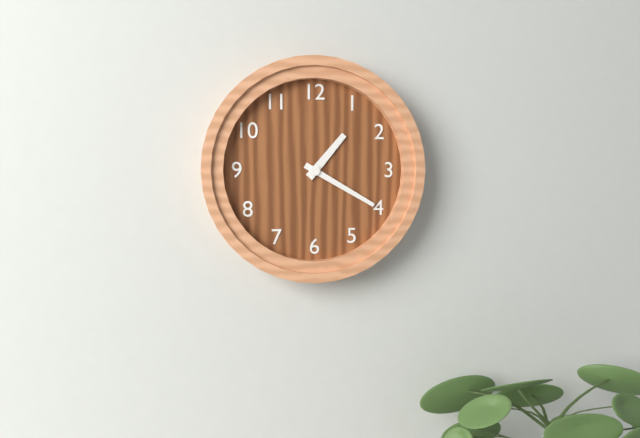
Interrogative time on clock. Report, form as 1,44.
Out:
1,20
